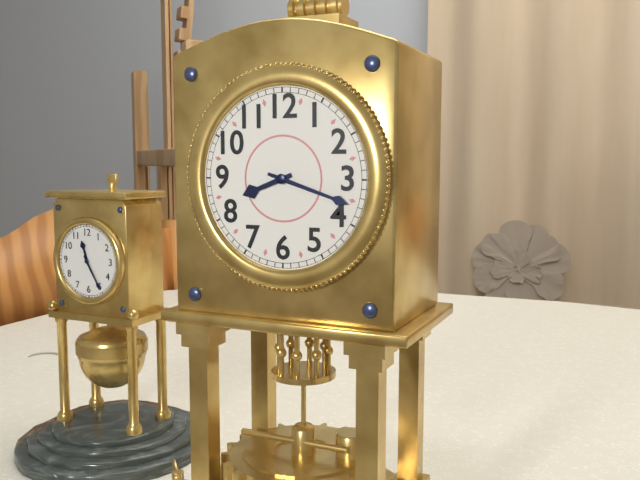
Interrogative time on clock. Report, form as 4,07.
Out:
8,18
